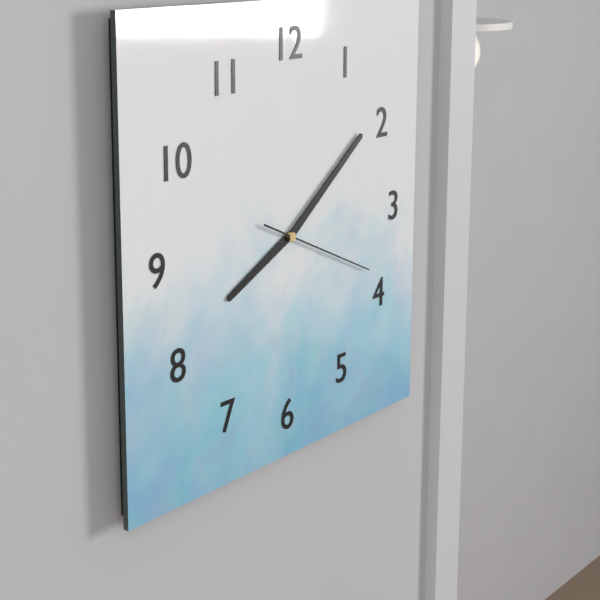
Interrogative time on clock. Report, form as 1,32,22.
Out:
8,09,19
